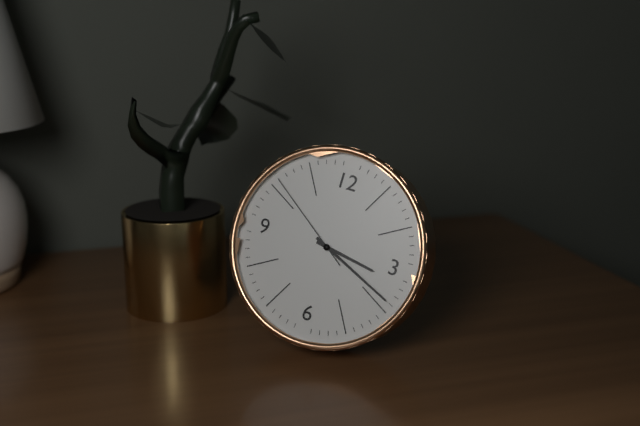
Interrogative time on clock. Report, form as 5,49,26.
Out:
3,19,51
